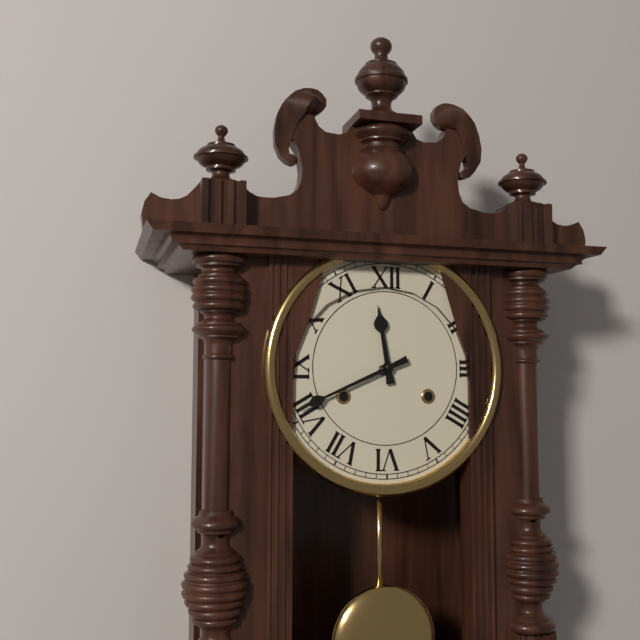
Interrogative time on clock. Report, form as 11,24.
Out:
11,41
